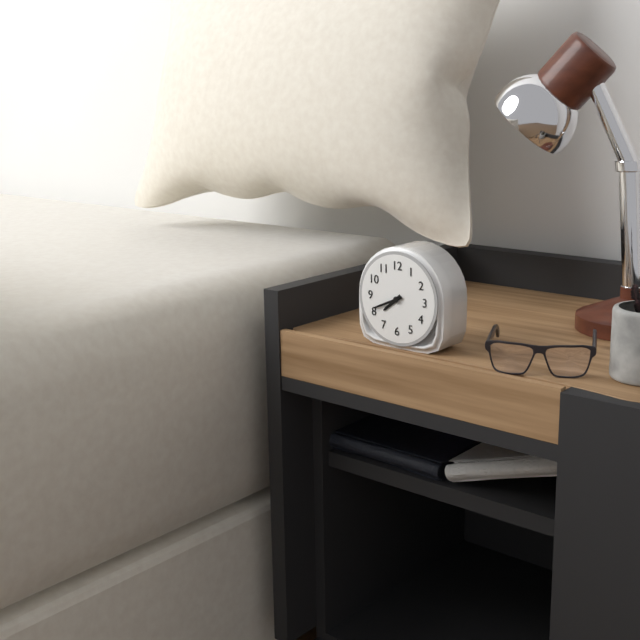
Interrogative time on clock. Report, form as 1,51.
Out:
7,41
